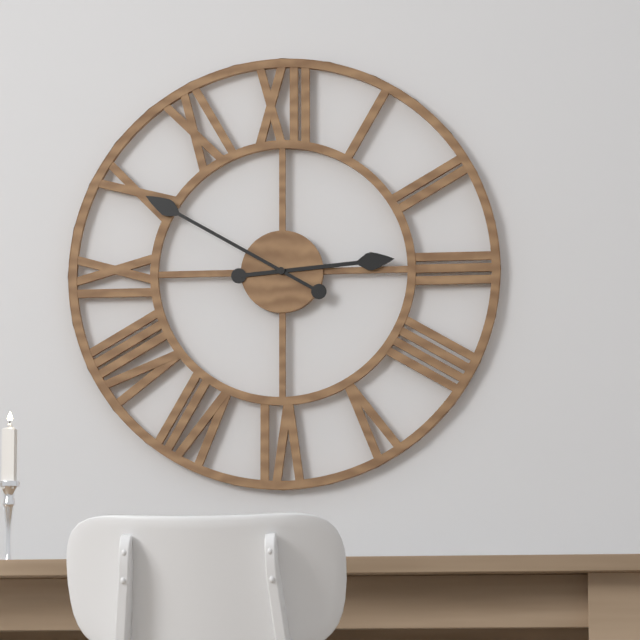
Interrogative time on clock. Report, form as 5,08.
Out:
2,50
